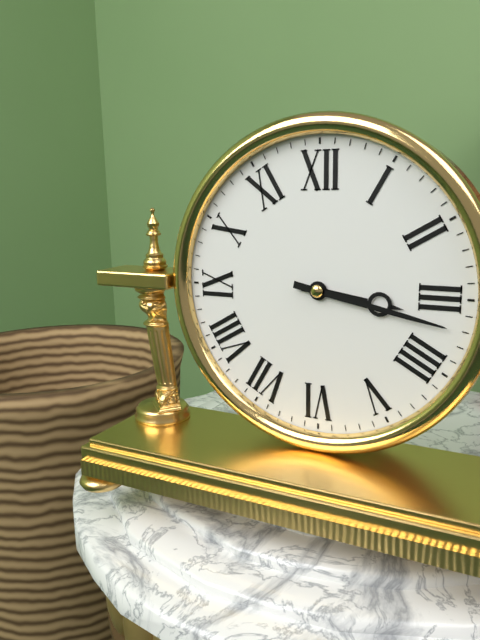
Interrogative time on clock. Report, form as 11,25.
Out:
3,17
